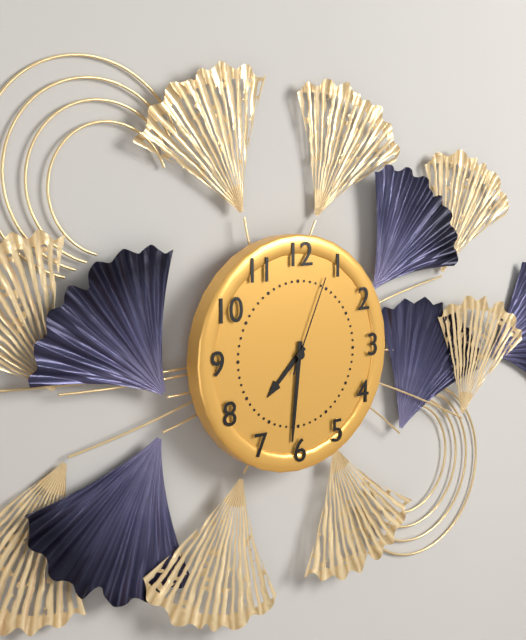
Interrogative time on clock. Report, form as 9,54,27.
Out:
7,31,04
